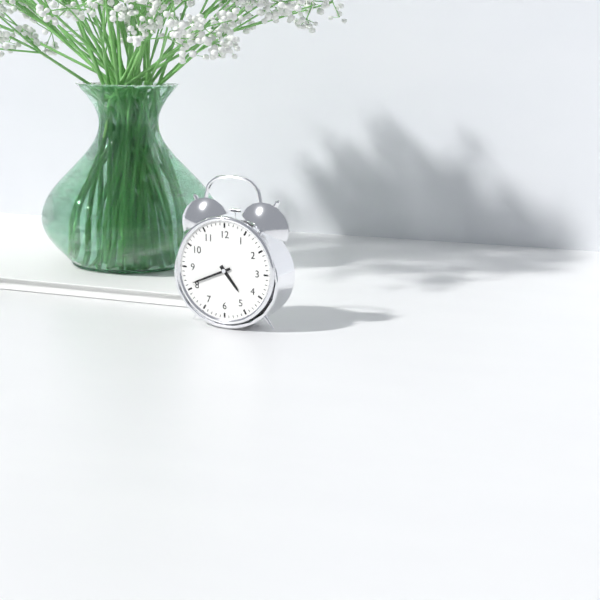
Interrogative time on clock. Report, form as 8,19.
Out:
4,41
